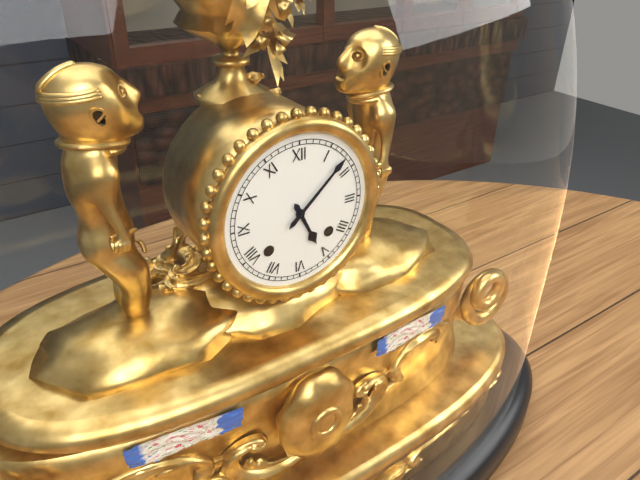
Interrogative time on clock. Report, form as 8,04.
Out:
5,08
